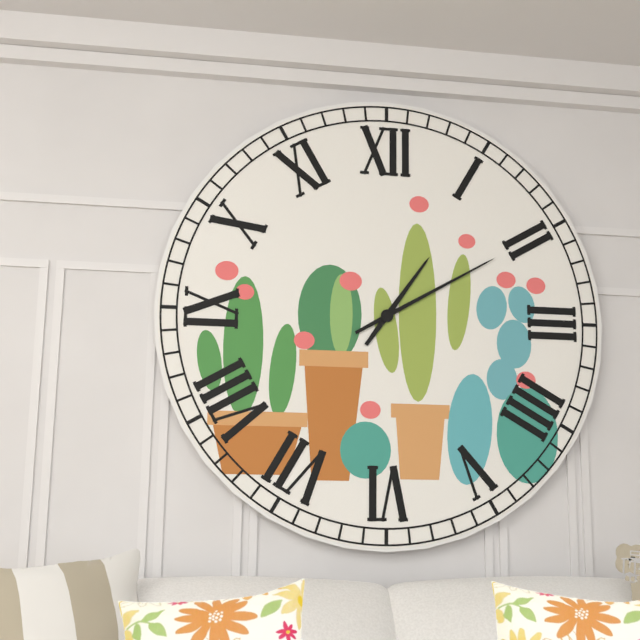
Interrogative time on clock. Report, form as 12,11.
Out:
1,10
